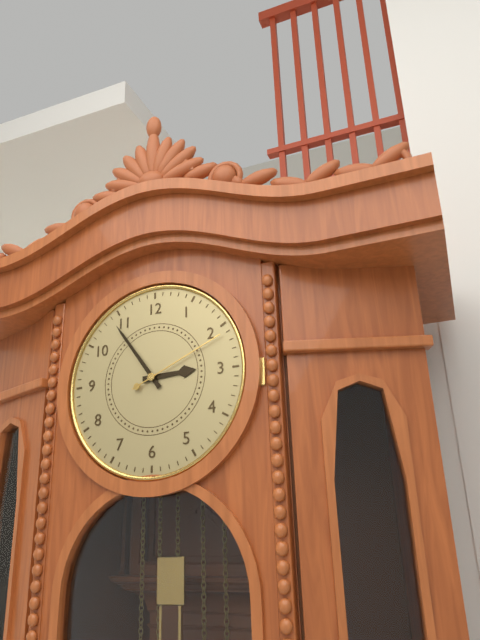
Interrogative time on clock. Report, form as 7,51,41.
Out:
2,54,11
